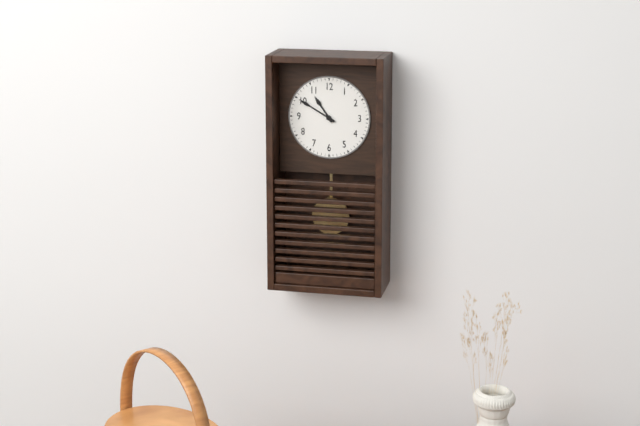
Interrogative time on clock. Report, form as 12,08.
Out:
10,50
